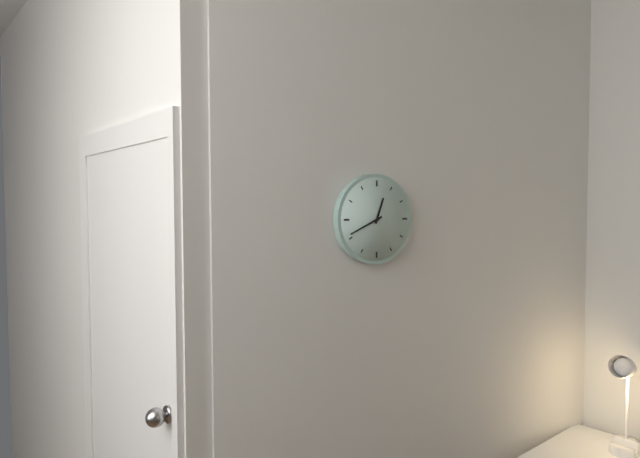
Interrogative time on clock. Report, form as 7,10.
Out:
12,41
